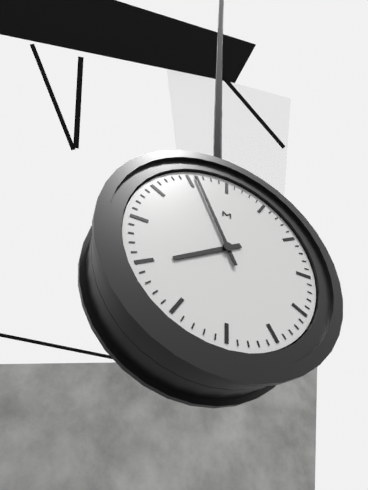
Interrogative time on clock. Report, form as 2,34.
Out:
7,56
